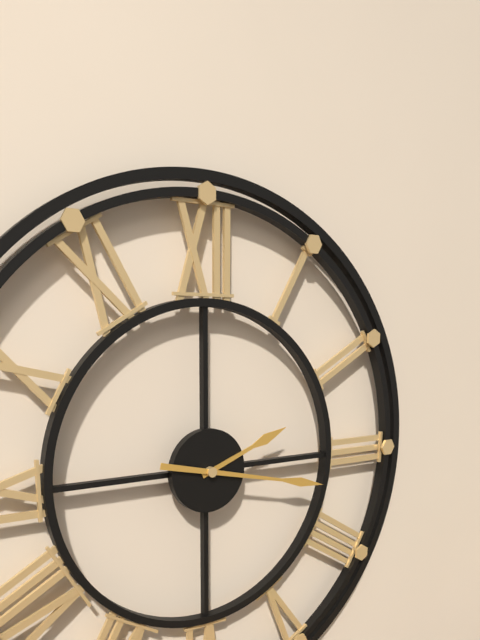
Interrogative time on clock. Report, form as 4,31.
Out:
2,17
